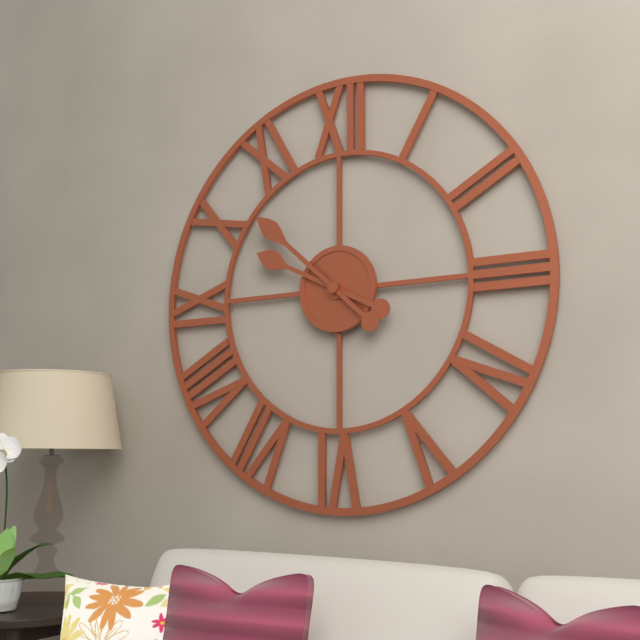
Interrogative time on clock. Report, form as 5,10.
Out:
9,52
